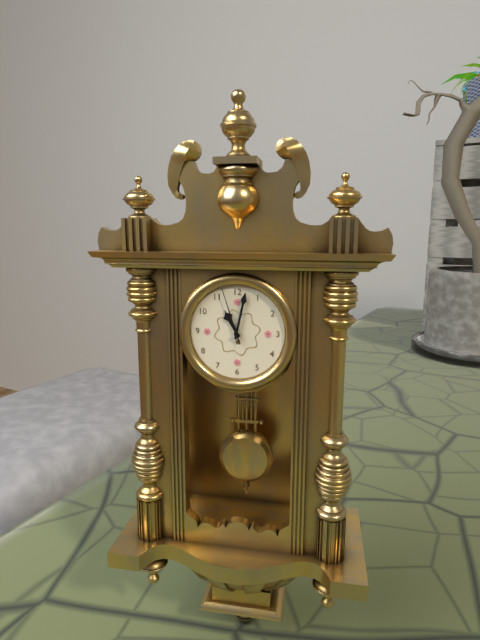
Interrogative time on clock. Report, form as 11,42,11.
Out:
11,02,57
